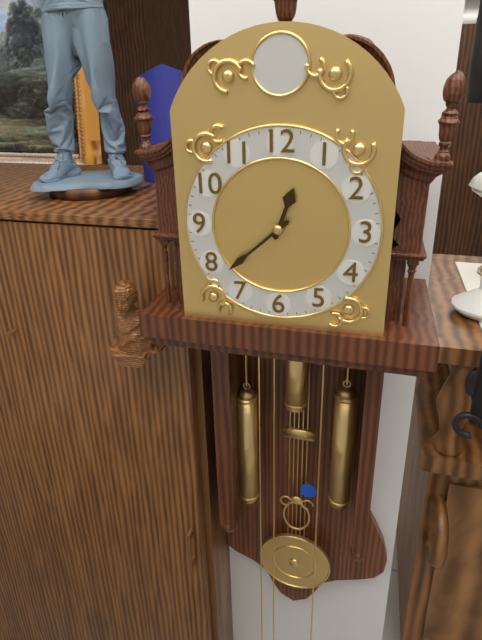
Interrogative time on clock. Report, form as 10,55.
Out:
12,38
